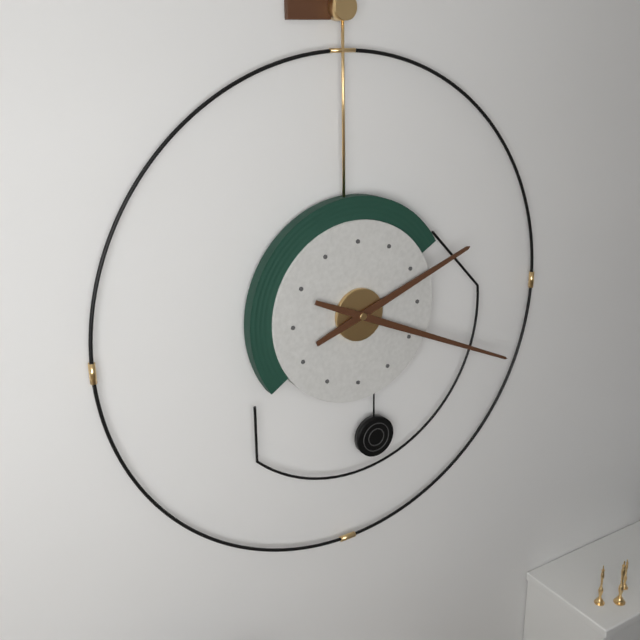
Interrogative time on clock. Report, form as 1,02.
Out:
2,19
